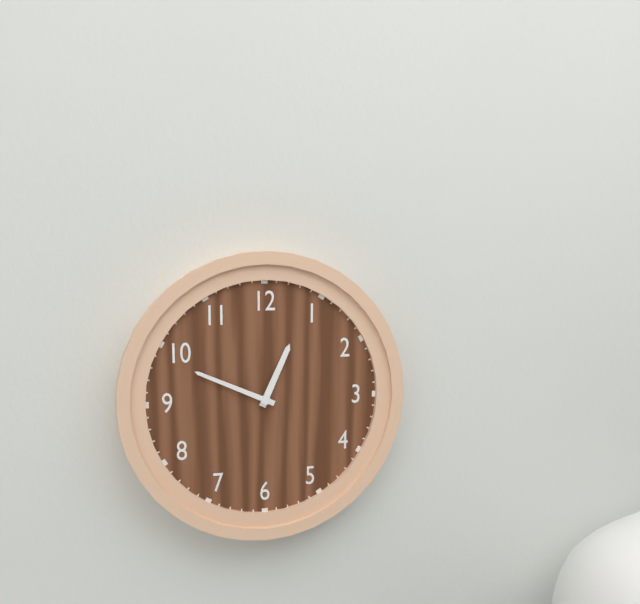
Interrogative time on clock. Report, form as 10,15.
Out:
12,49
